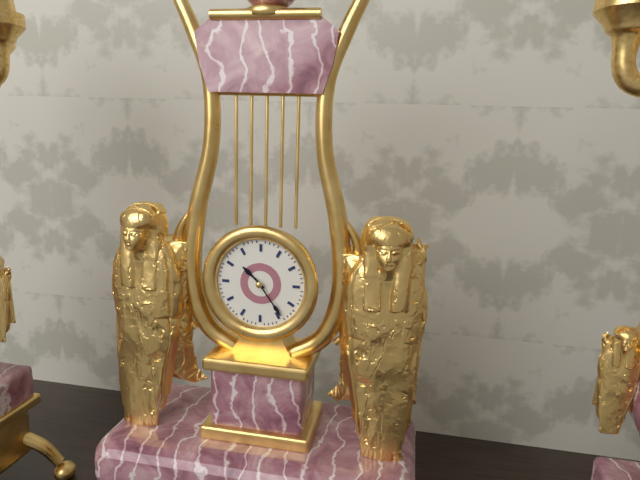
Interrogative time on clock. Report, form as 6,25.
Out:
10,24
